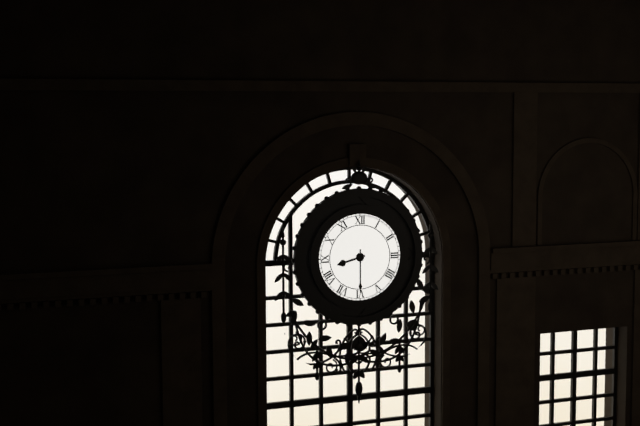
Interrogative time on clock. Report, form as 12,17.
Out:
8,30
